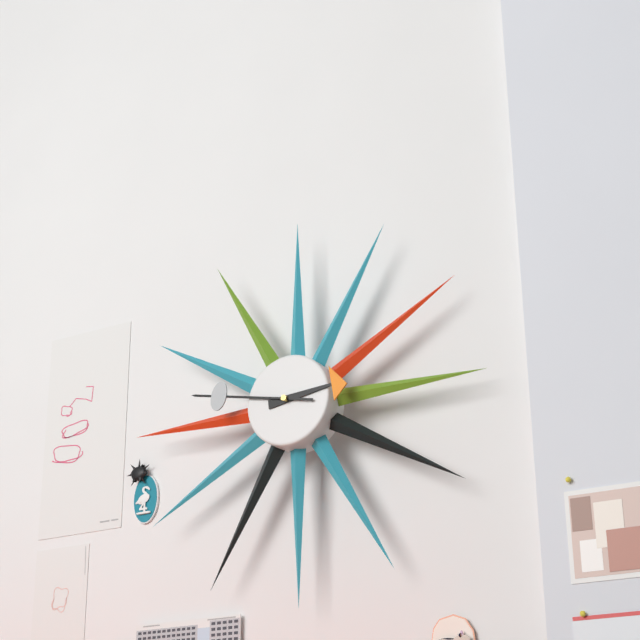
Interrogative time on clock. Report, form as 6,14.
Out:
2,47
